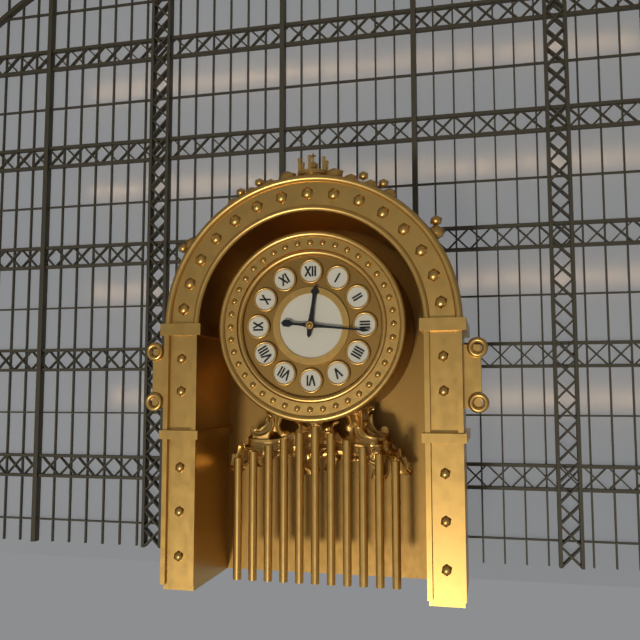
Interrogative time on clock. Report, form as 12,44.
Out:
12,16
